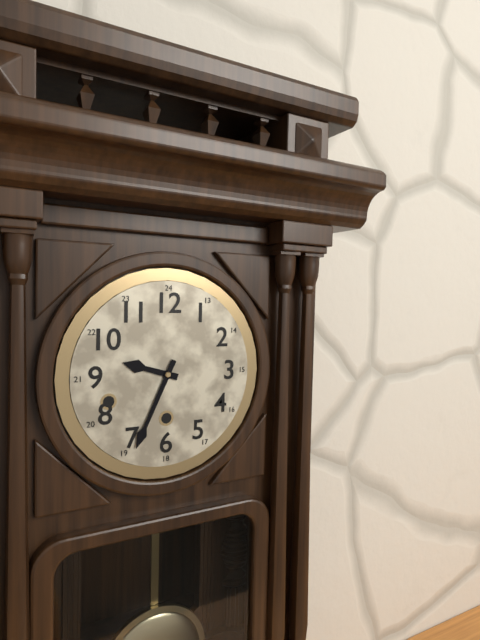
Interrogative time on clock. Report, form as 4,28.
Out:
9,34
